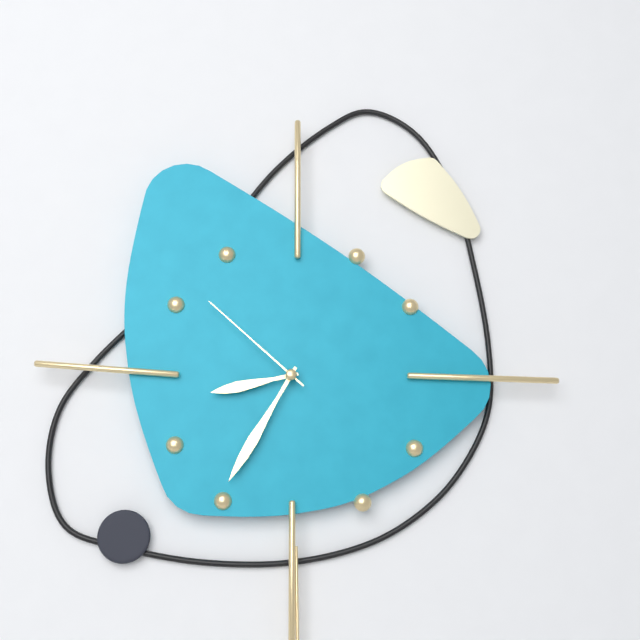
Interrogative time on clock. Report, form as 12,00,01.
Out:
8,35,52
